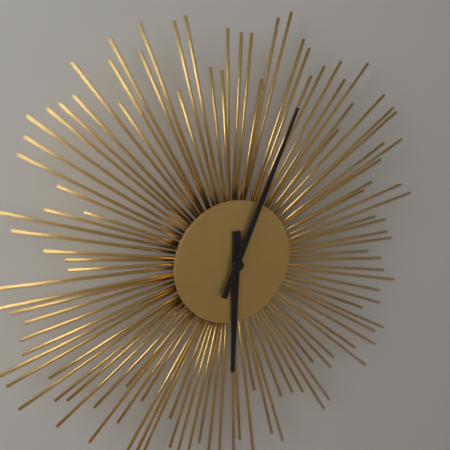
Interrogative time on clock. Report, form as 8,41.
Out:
6,04
